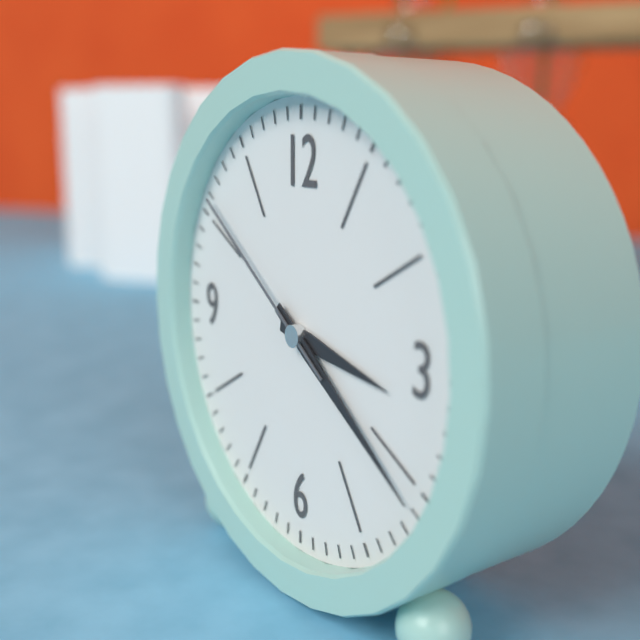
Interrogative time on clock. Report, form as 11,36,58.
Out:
3,21,51
